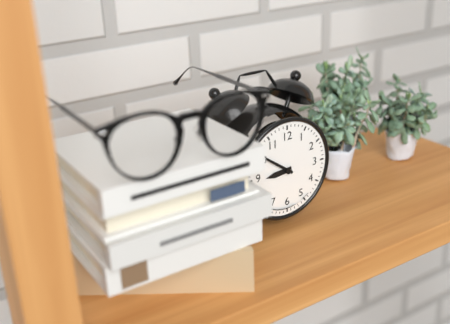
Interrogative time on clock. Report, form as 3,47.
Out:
8,51
